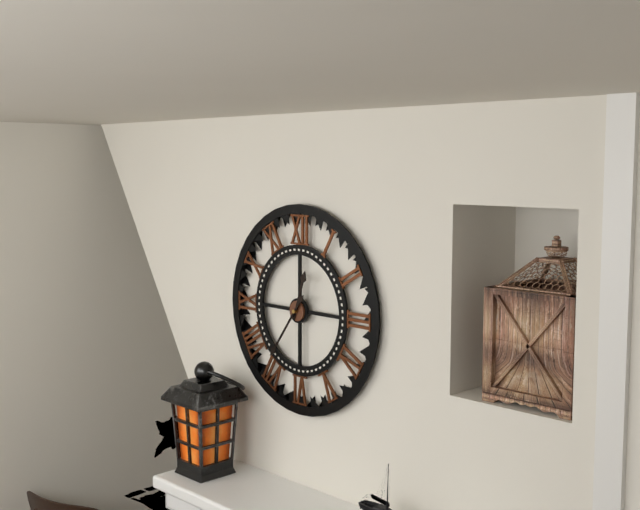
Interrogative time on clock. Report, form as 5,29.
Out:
12,36
